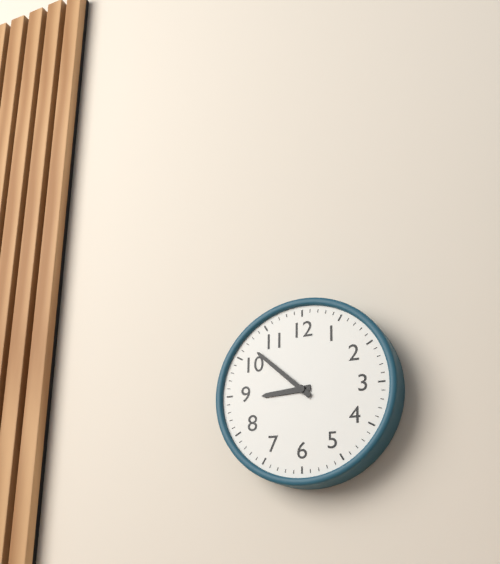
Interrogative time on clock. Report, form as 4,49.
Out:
8,52
